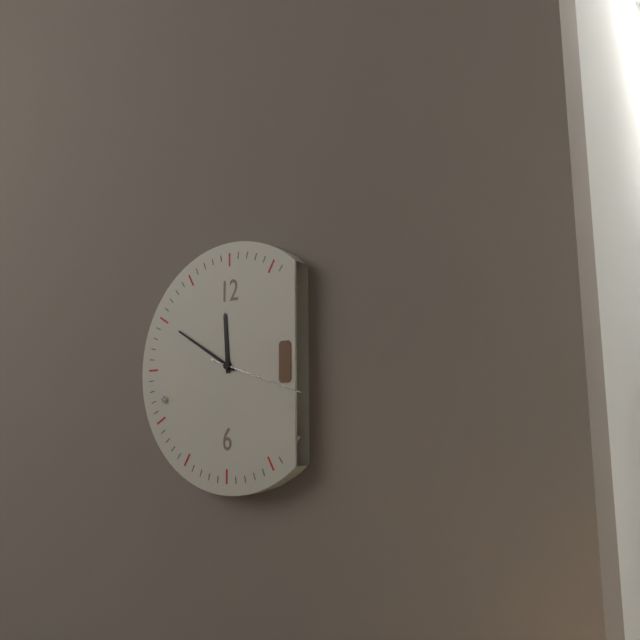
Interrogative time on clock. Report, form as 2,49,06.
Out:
11,50,18
